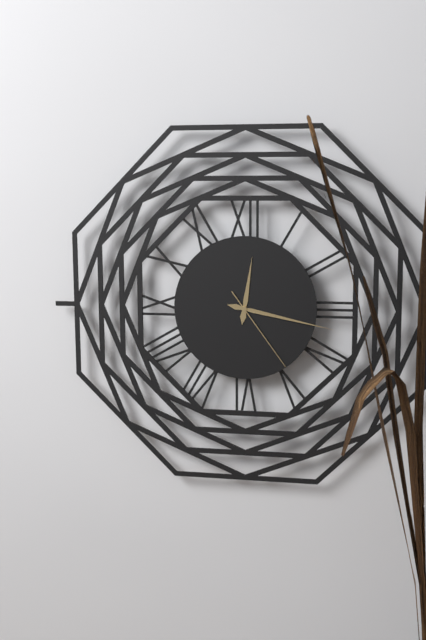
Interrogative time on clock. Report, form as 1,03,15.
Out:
12,17,24
